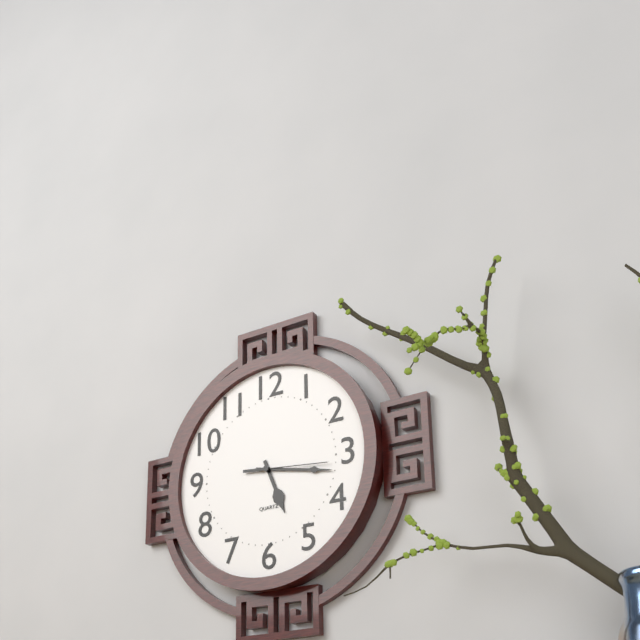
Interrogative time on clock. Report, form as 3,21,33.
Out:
5,17,16
